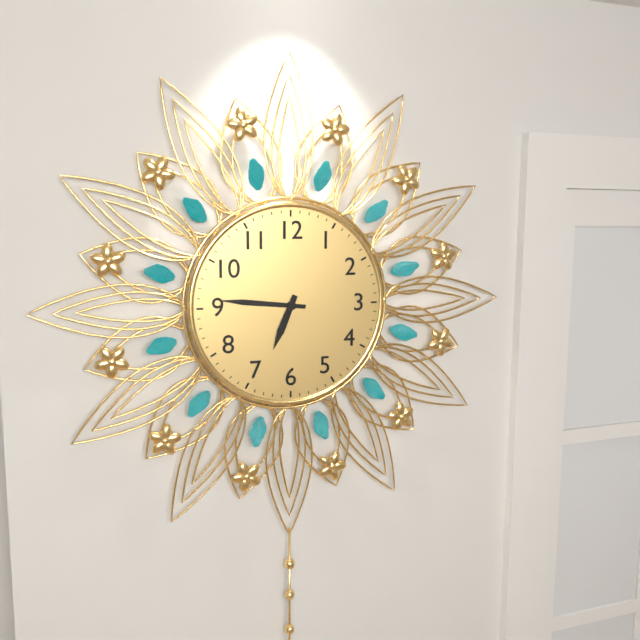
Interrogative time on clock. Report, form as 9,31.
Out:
6,46
